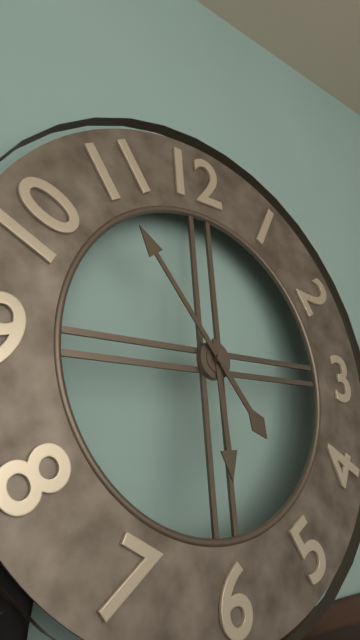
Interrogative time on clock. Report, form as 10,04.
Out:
5,54
